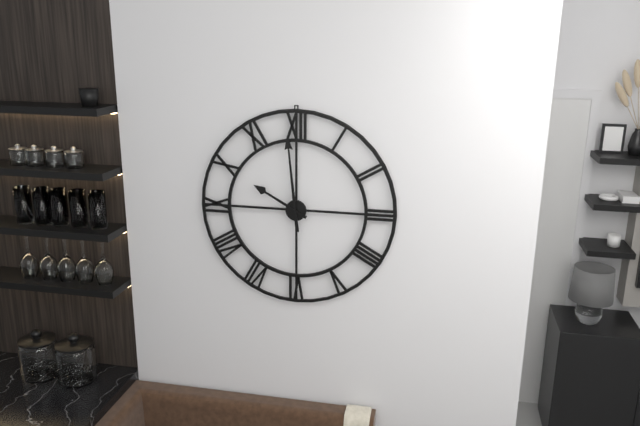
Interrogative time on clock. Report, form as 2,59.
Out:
9,59
